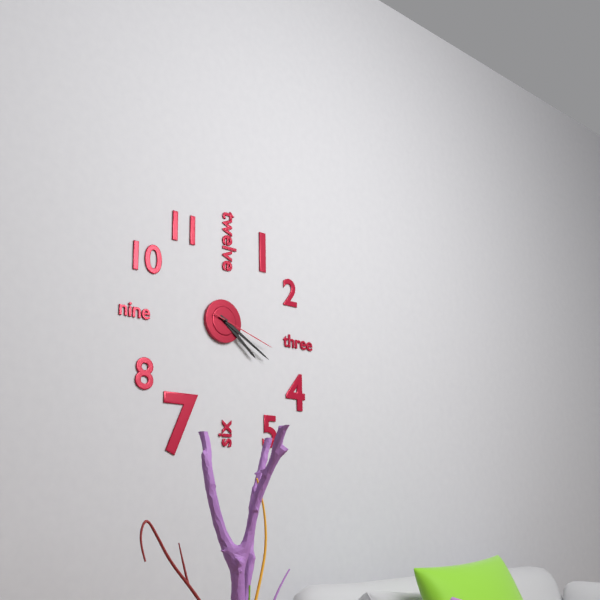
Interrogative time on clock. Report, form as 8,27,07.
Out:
4,20,18
